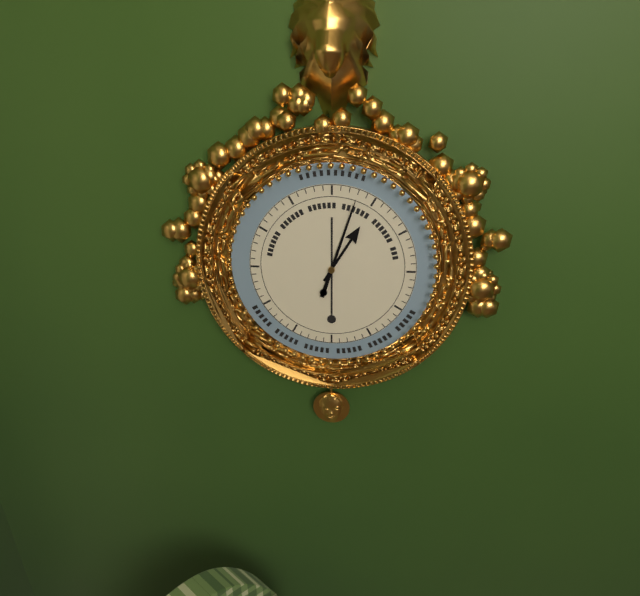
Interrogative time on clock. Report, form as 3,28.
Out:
1,03
